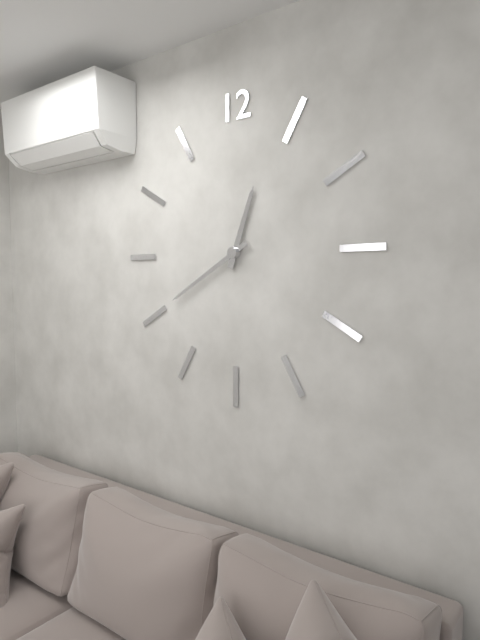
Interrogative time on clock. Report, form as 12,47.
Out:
12,40
